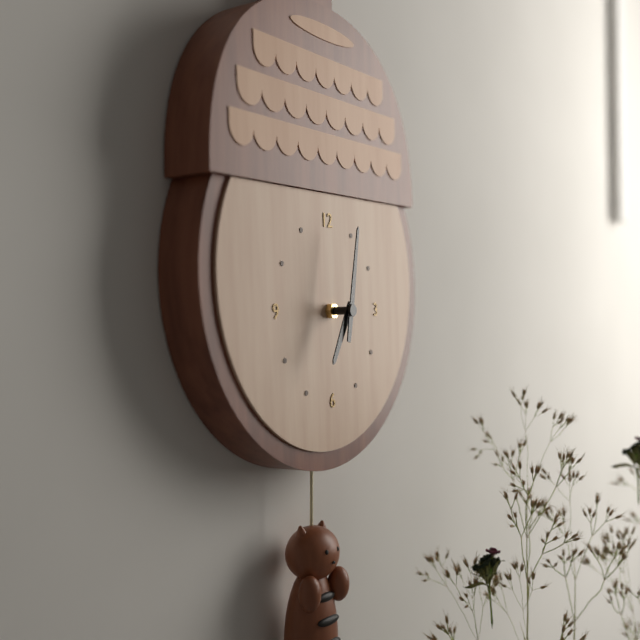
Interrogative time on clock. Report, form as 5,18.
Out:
7,02
